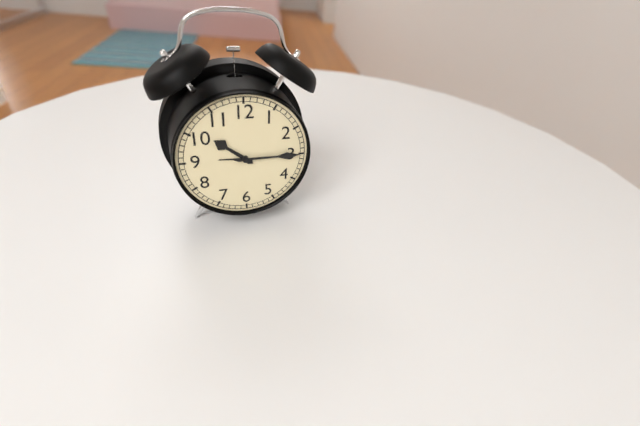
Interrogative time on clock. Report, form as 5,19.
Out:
10,15
